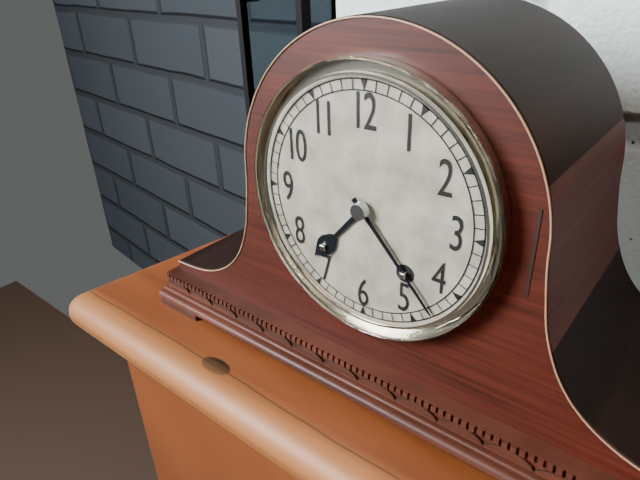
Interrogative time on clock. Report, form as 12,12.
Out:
7,23
